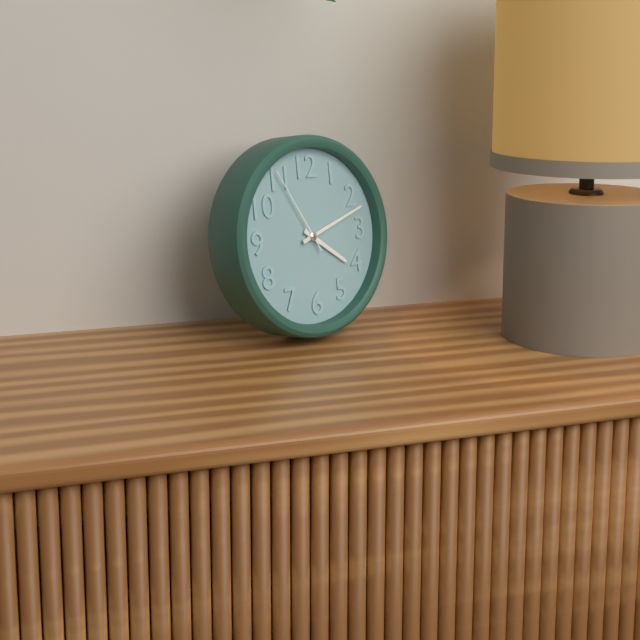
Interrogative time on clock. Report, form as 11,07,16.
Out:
4,12,55
